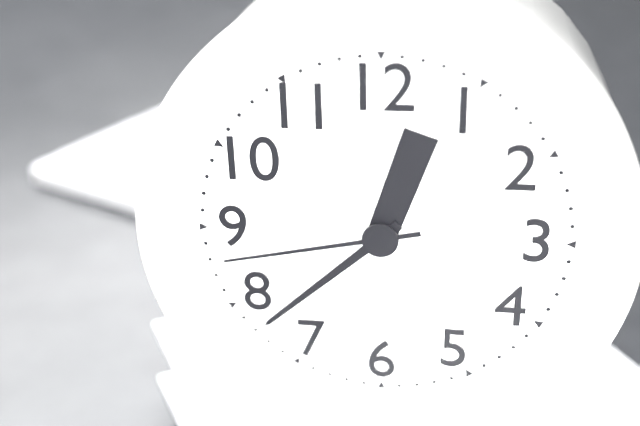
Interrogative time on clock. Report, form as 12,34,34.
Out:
12,38,43
